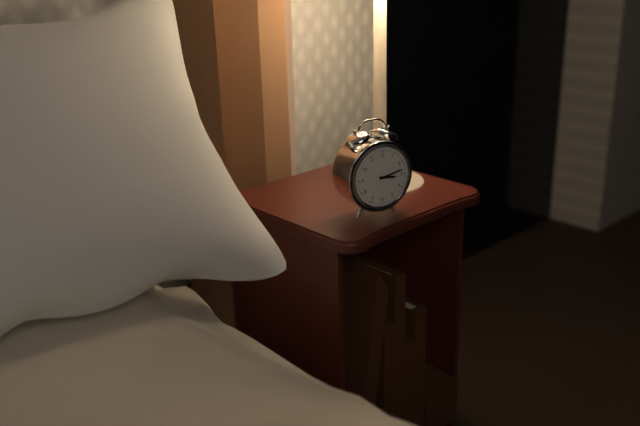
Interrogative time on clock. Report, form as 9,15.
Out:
3,13
